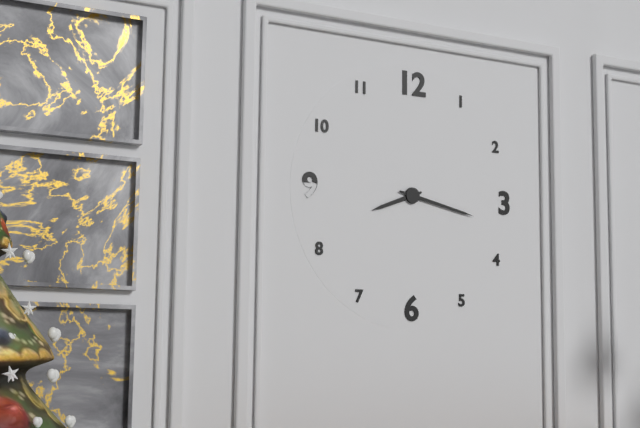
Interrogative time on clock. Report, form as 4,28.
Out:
8,17
